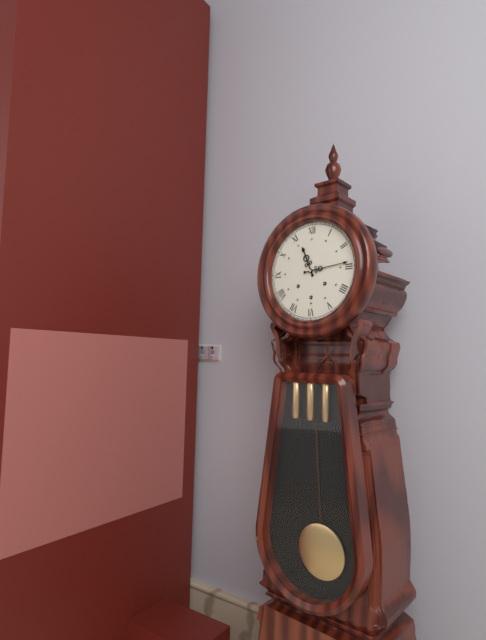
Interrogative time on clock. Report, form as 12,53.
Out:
11,14
